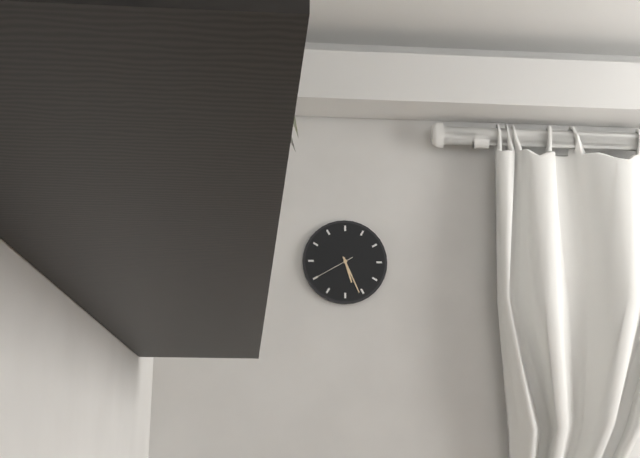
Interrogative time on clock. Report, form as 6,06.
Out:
5,26
